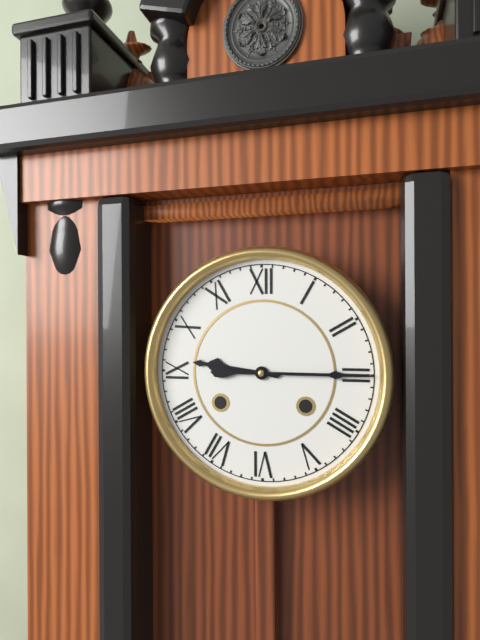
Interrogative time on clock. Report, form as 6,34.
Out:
9,15
